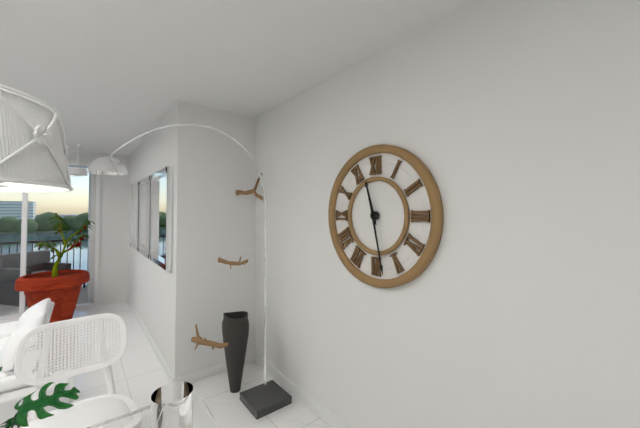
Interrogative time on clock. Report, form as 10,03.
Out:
11,28
